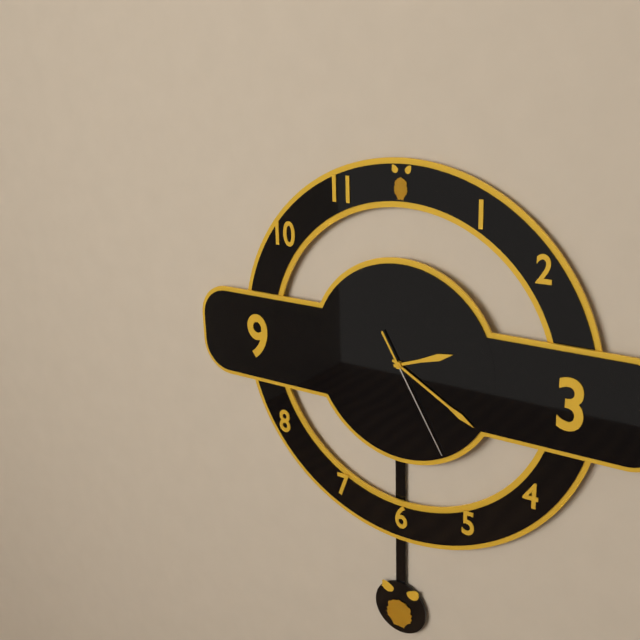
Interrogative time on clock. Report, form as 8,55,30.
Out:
2,20,25
